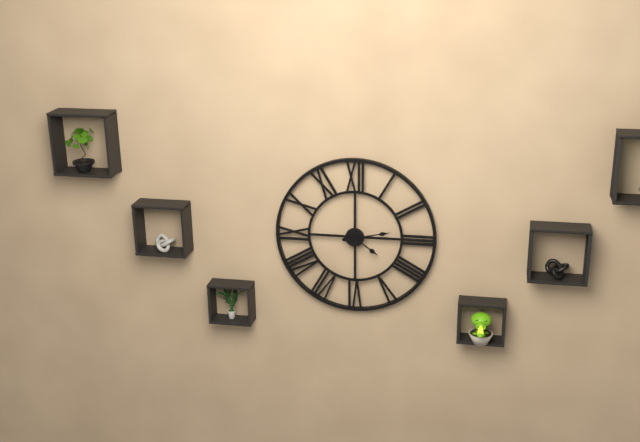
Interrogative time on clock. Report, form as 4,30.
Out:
4,13
